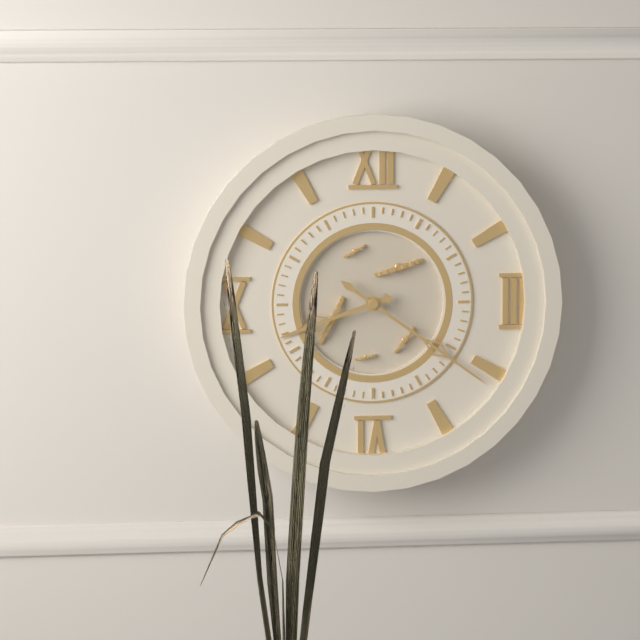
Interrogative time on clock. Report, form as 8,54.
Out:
8,21
